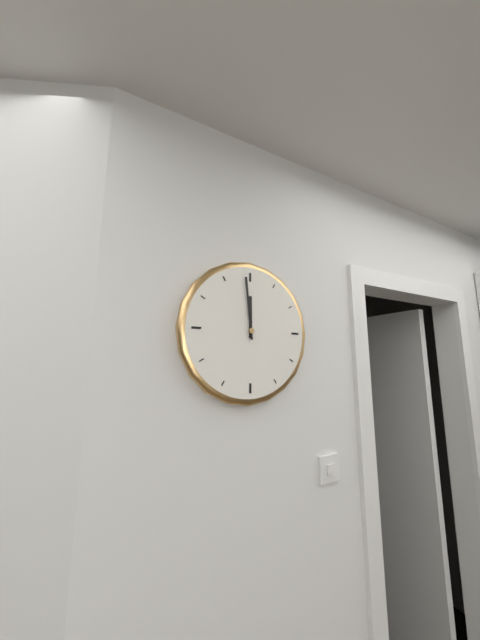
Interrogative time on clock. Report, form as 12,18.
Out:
11,59
